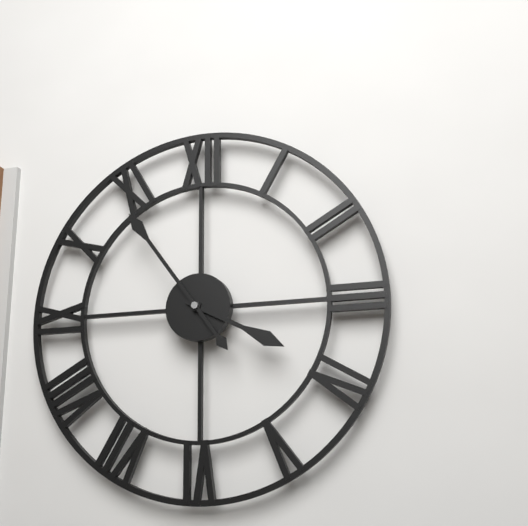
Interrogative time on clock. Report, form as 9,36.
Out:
3,54
